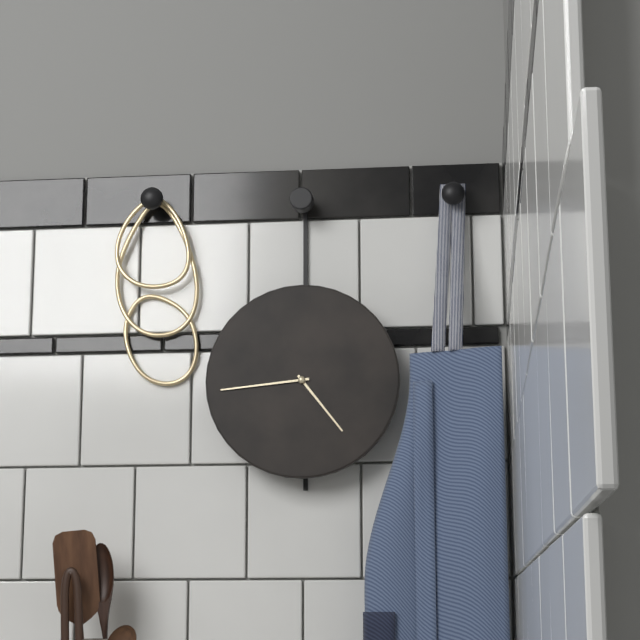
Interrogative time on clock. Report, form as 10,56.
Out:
4,44
